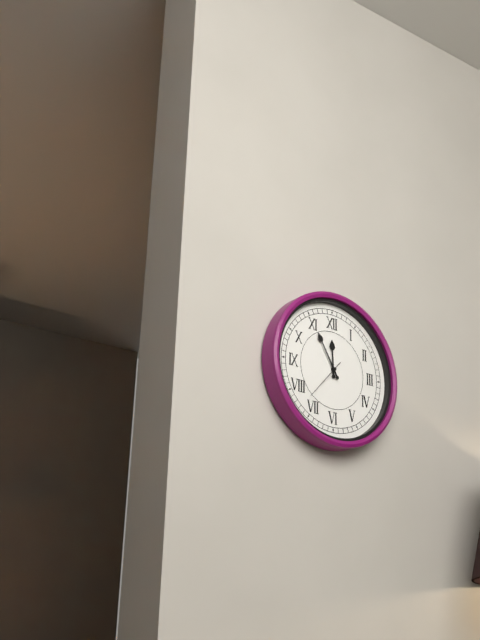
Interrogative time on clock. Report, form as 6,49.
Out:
11,55
